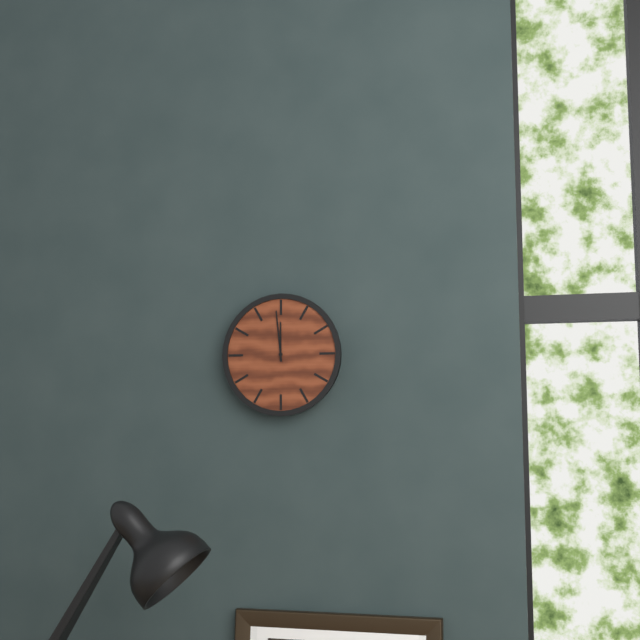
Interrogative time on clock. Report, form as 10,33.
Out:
11,59
